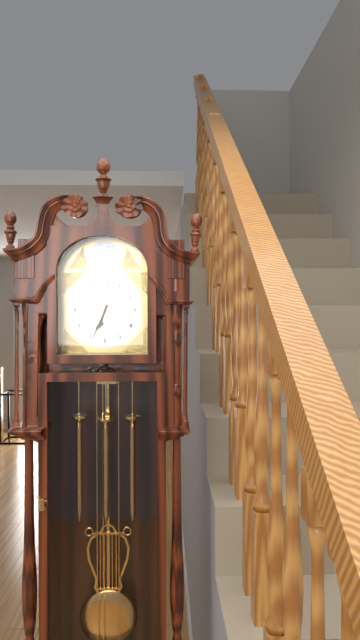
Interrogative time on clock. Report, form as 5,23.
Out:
6,34
